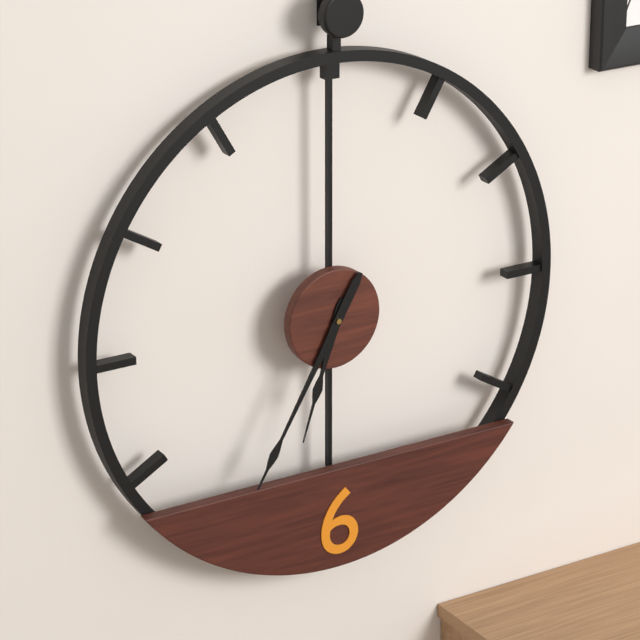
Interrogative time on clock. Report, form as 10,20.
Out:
6,35
